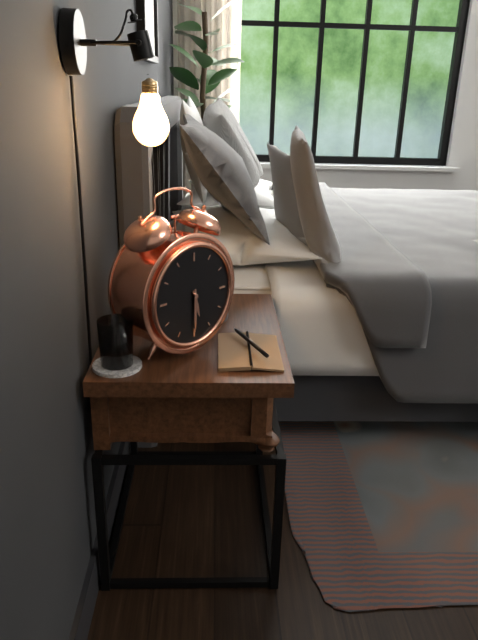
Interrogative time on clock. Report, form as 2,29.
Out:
5,30
